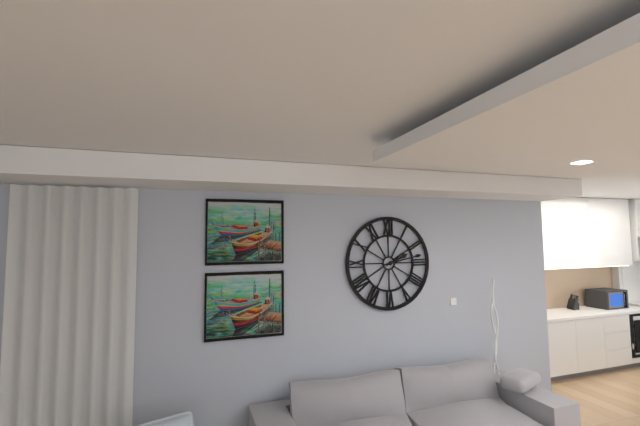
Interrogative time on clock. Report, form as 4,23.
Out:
2,13
